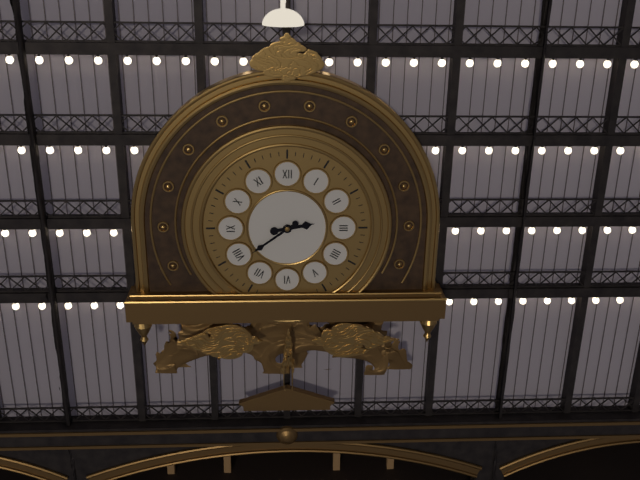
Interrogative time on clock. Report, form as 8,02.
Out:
2,39
